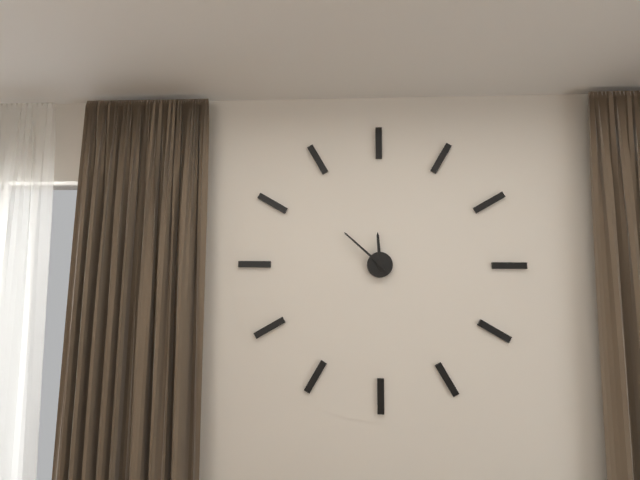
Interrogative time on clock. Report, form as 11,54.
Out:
11,52
